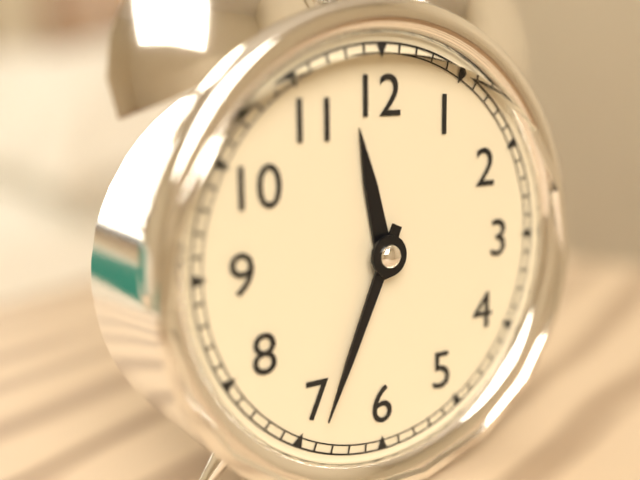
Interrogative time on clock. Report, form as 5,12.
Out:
11,34
